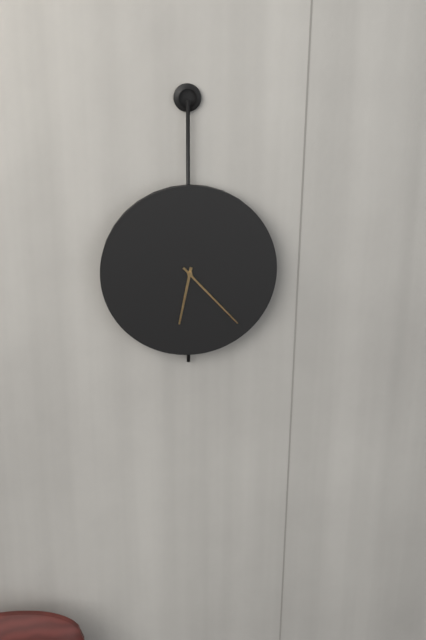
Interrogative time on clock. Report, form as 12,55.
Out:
6,23
